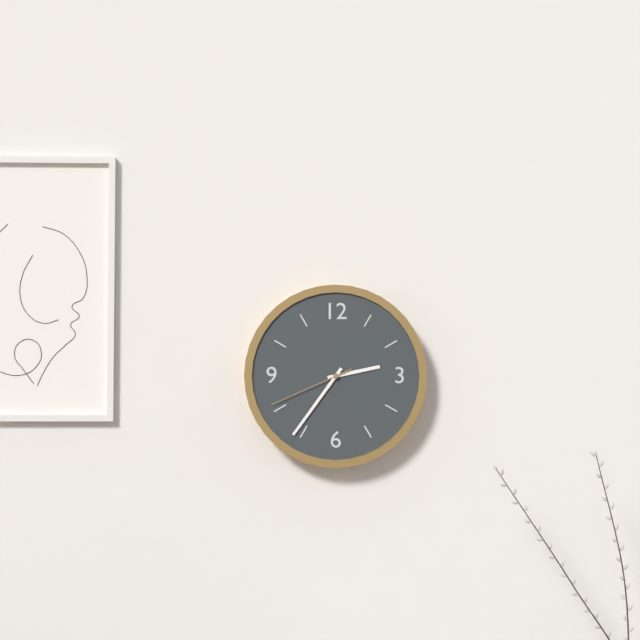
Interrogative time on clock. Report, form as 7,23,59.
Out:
2,36,41
